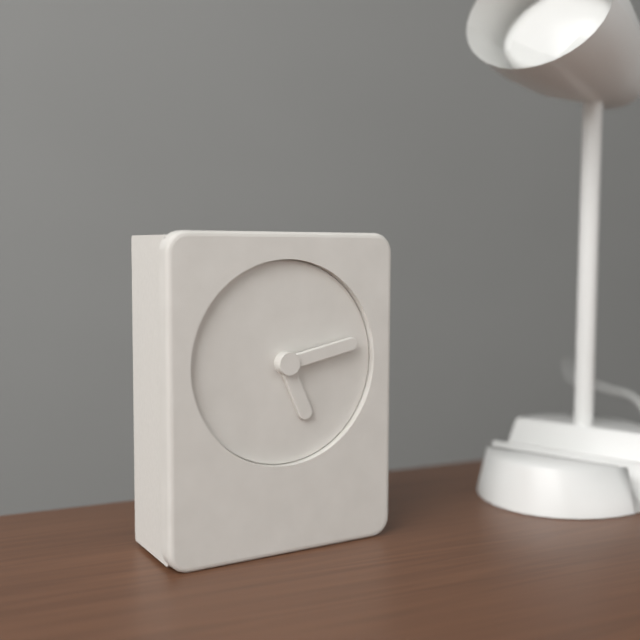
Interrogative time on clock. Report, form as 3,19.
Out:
5,13
